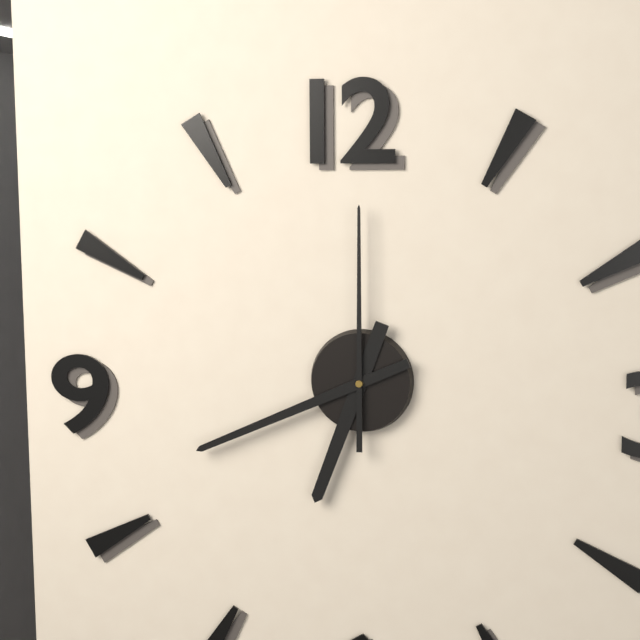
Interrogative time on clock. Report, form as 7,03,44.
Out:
6,41,00
